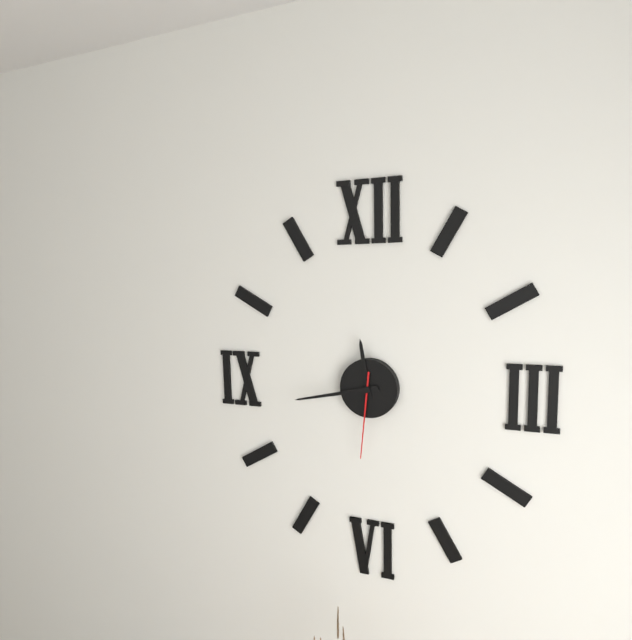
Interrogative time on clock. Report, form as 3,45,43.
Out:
11,43,31
